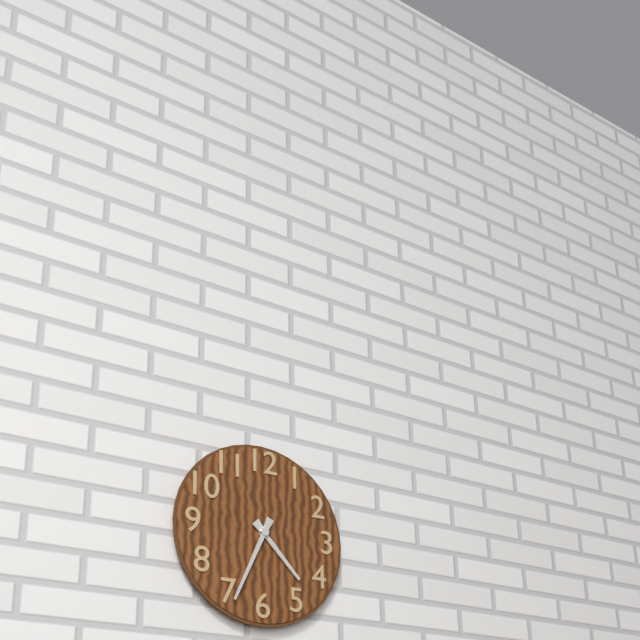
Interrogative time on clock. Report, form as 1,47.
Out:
4,34
